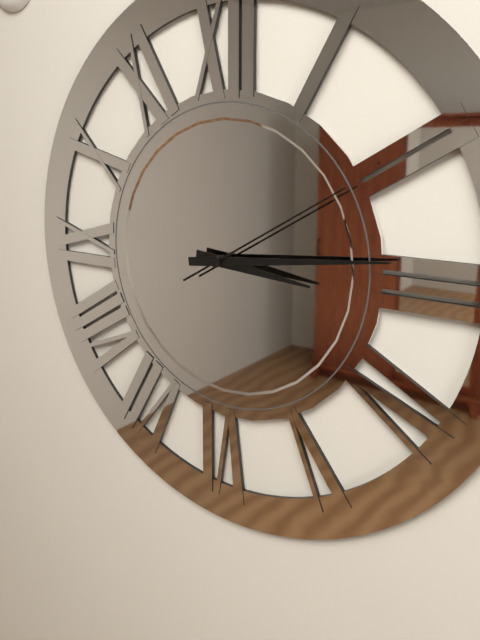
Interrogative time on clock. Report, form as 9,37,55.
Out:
3,14,10
